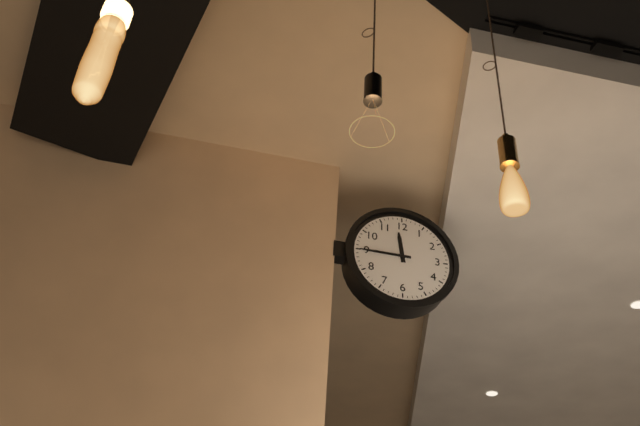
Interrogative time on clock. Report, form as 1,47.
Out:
11,45
